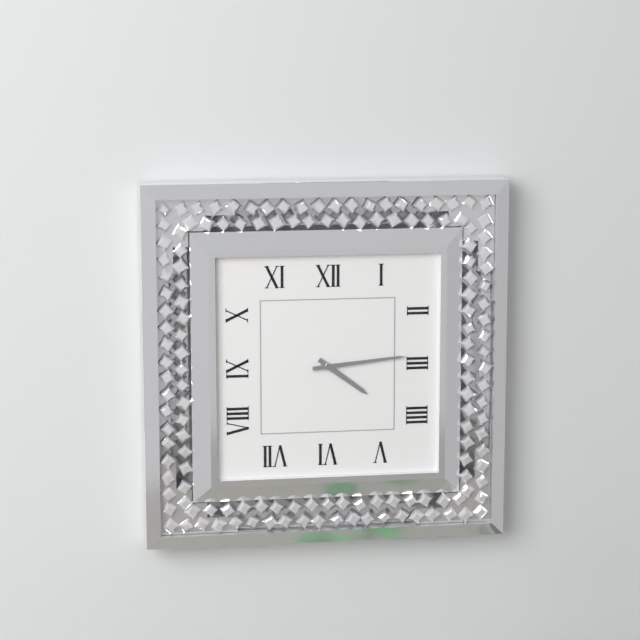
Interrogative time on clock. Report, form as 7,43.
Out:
4,14
